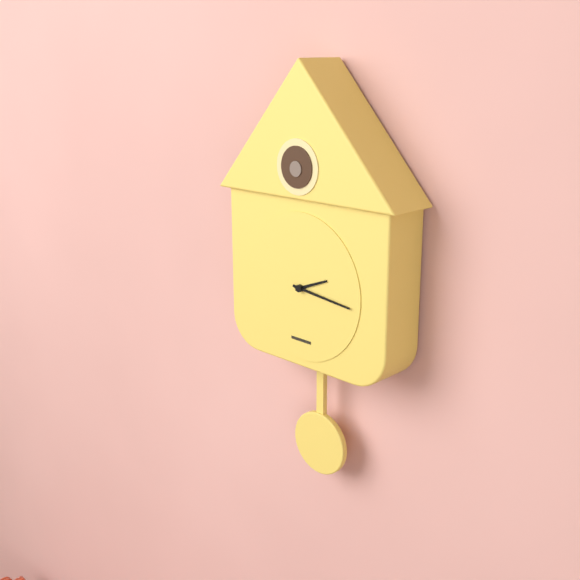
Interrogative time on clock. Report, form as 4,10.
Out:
2,16
